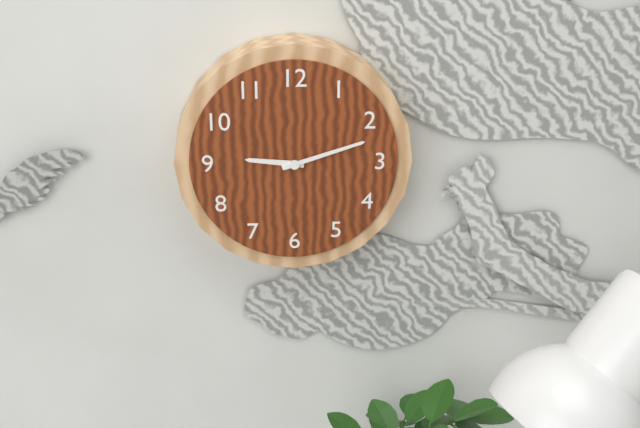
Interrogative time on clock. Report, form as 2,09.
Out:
9,12
